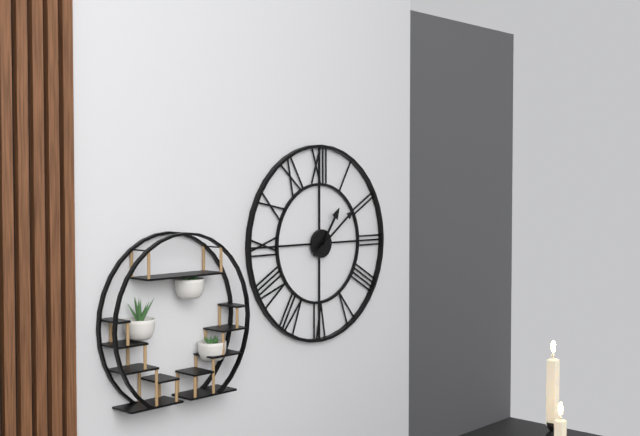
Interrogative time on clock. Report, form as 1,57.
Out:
1,09
